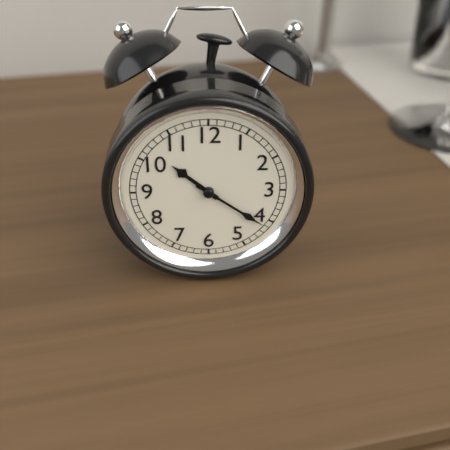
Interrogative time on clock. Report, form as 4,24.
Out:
10,21
